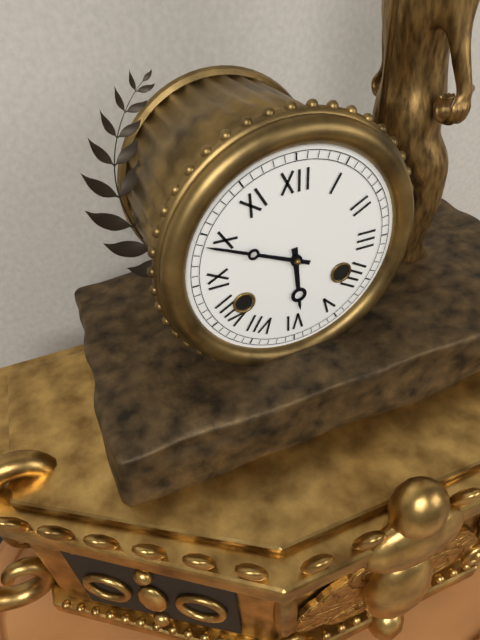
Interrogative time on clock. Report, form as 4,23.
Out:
5,49
